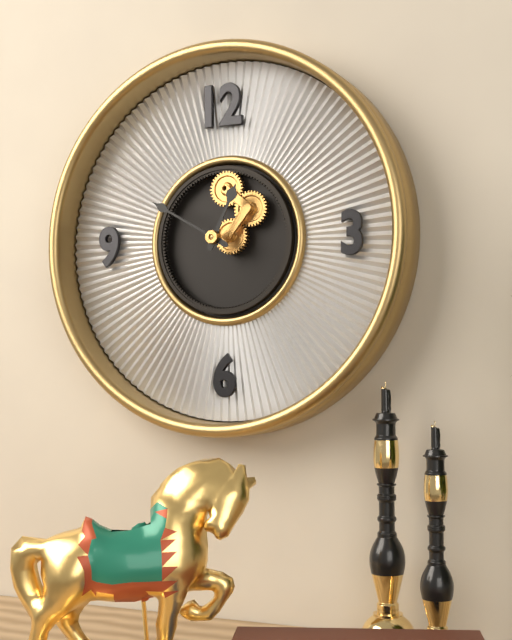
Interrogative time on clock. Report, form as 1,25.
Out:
12,50
